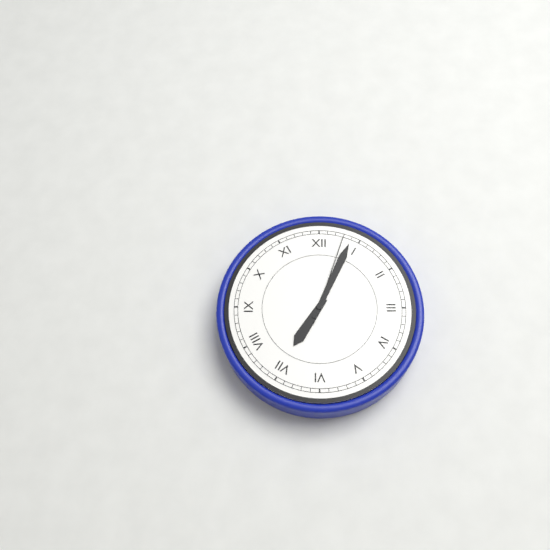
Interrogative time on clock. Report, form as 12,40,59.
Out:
7,04,03
